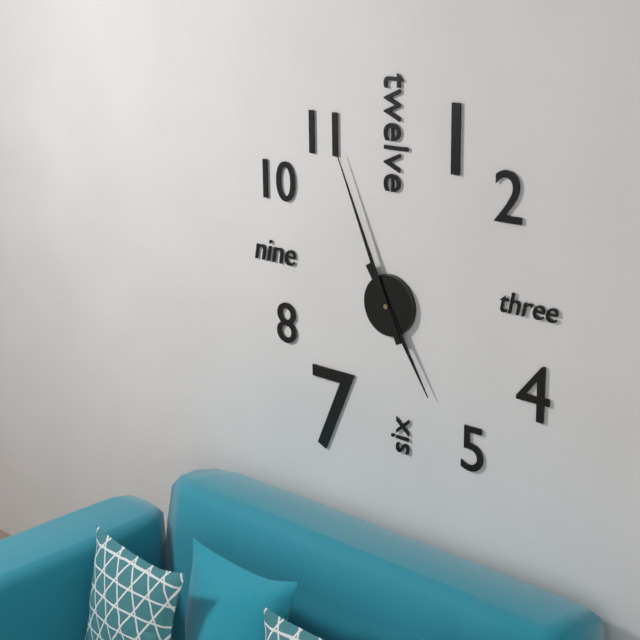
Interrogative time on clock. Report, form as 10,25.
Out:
4,56
